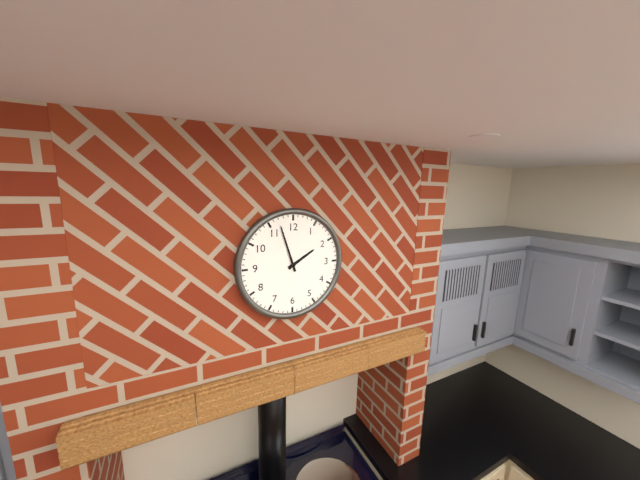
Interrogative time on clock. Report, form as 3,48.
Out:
1,57
